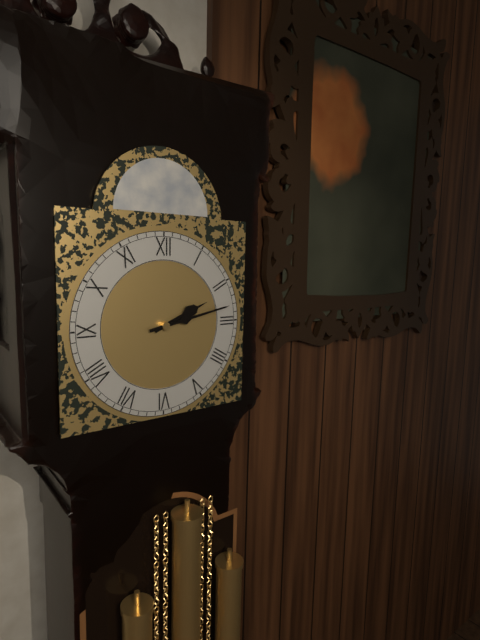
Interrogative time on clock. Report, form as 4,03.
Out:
2,13
